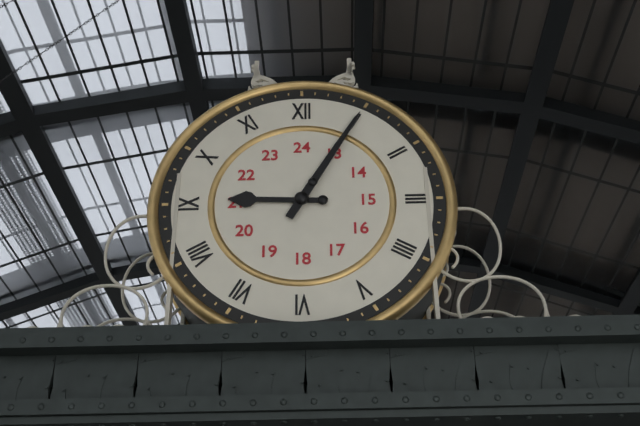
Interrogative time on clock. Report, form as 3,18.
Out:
9,05
